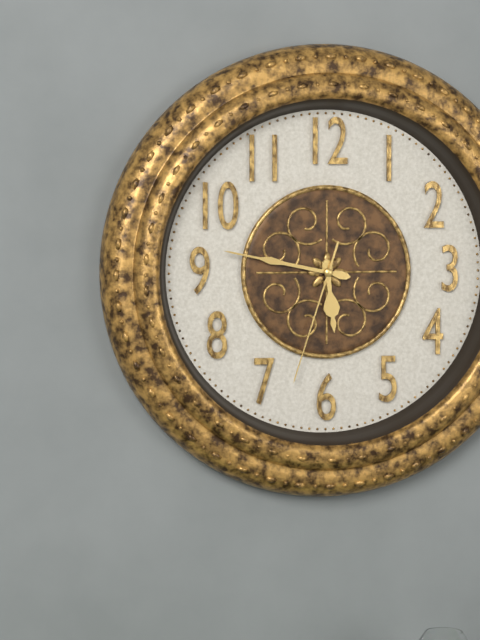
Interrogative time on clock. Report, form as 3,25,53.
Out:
5,47,33
